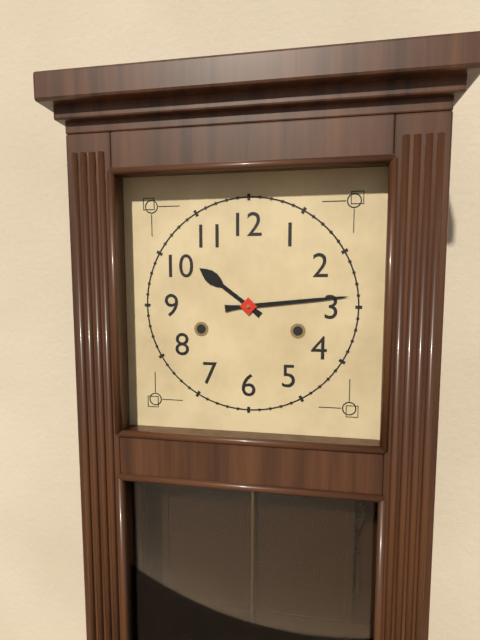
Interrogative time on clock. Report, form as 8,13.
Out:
10,14
